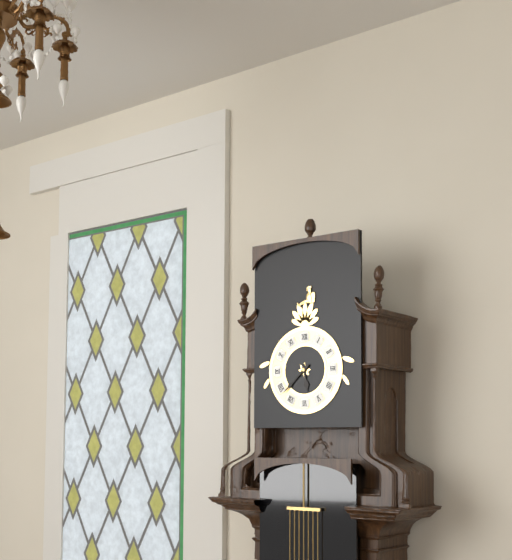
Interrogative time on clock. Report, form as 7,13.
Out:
5,38
